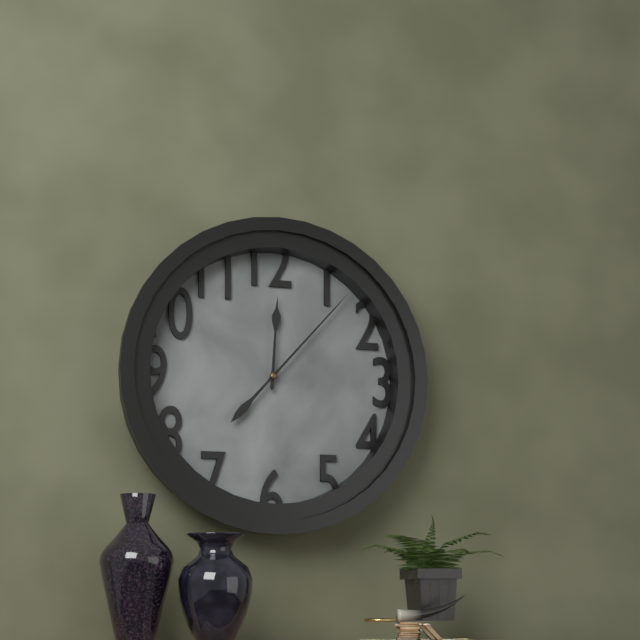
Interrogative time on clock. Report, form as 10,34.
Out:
12,07
